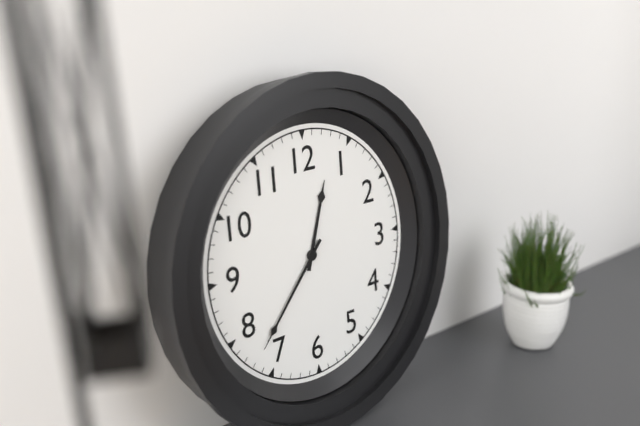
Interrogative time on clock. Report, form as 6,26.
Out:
12,37
